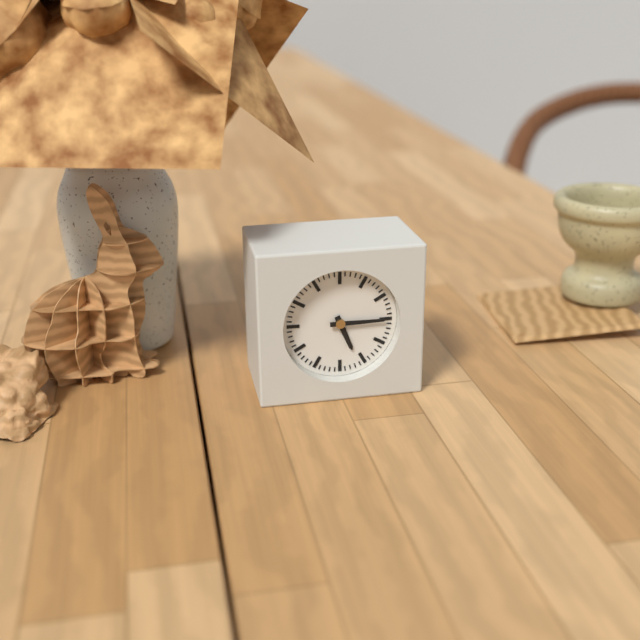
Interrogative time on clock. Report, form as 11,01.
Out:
5,15
